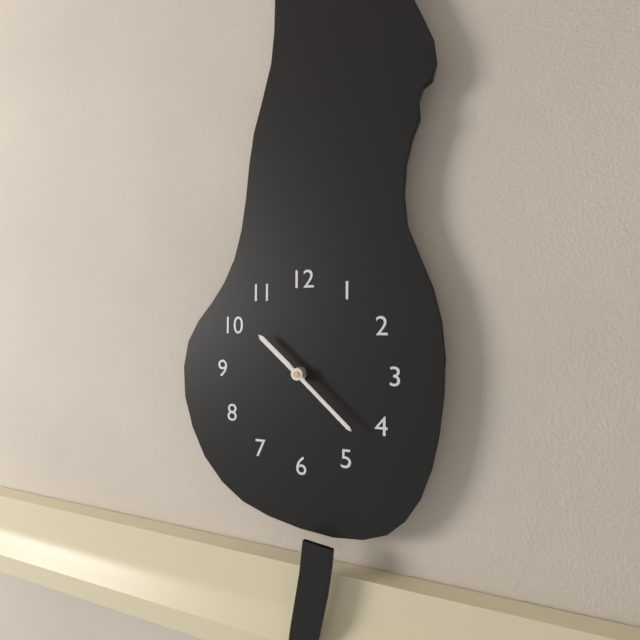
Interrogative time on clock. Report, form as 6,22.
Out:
10,22
